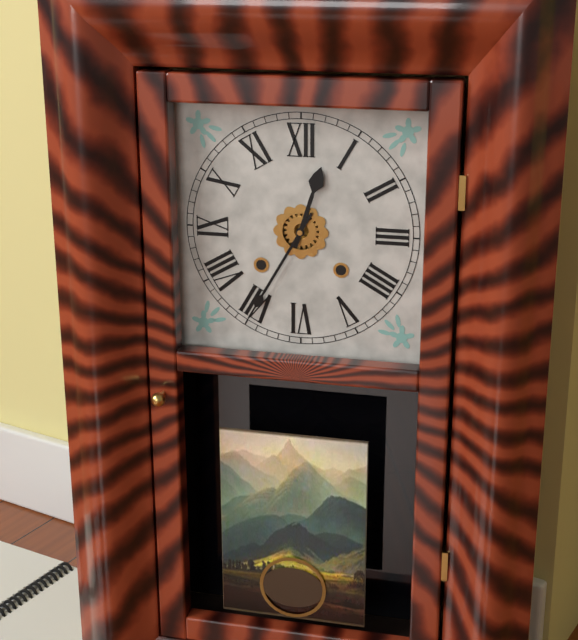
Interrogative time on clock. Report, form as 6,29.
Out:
12,35
